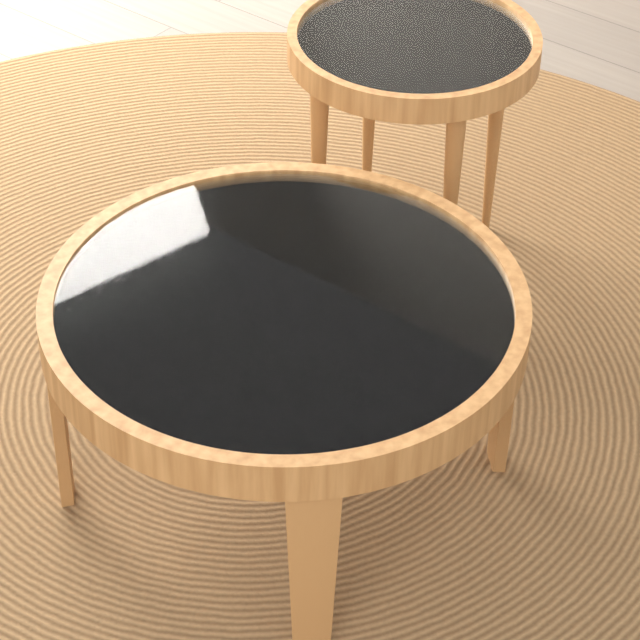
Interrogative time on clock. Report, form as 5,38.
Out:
2,52
